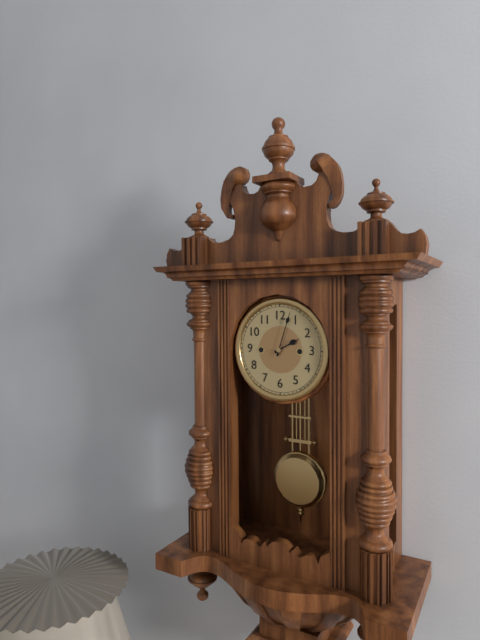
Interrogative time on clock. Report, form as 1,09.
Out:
2,03
